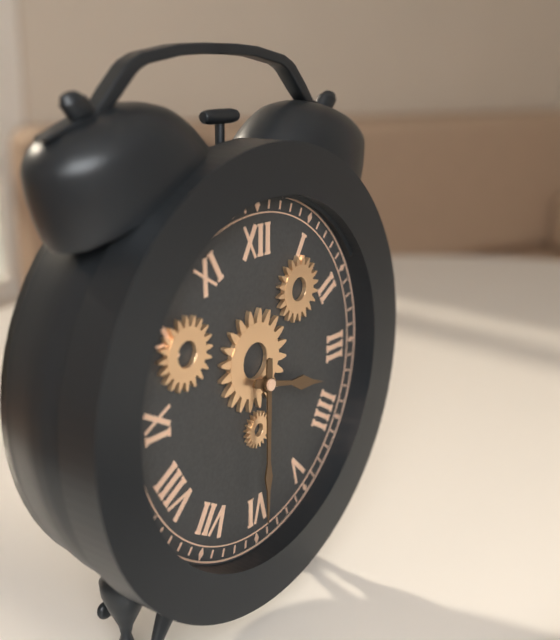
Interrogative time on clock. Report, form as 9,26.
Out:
3,30
